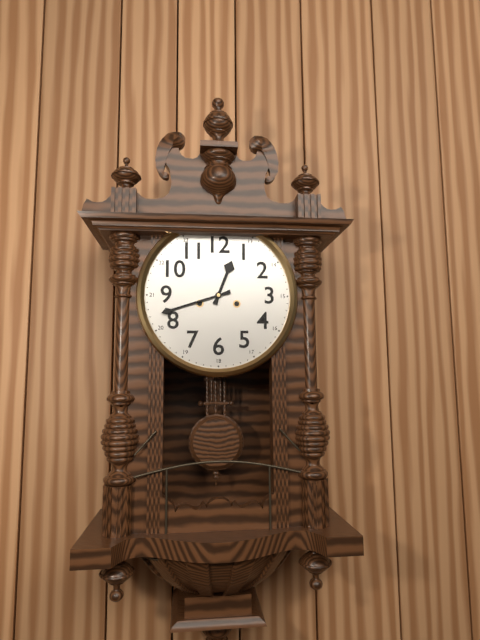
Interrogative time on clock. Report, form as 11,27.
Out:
12,42
